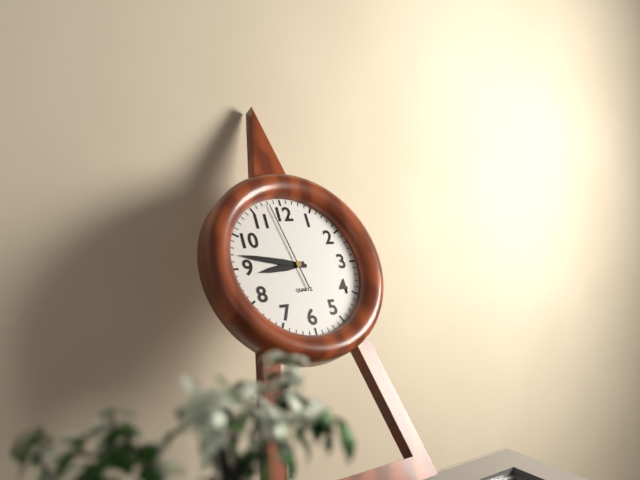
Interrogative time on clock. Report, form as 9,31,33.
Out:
8,47,58
